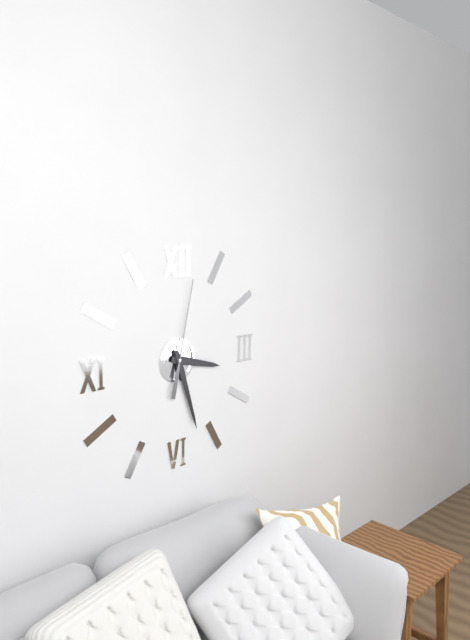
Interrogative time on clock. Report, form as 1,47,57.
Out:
3,27,02
